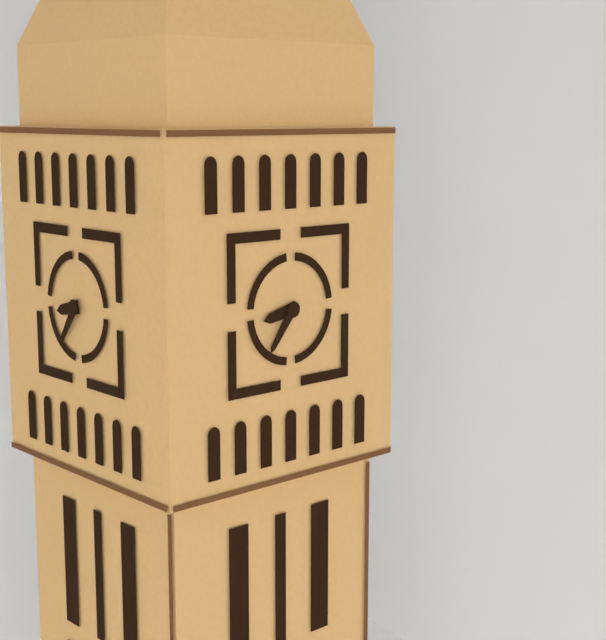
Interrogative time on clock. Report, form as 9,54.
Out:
8,36
